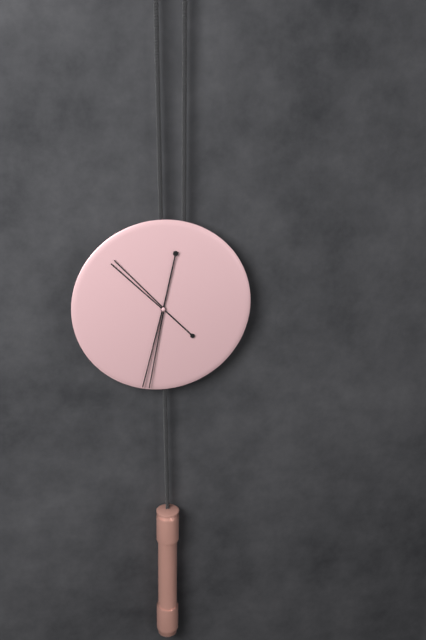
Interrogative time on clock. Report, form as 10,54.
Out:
10,32
